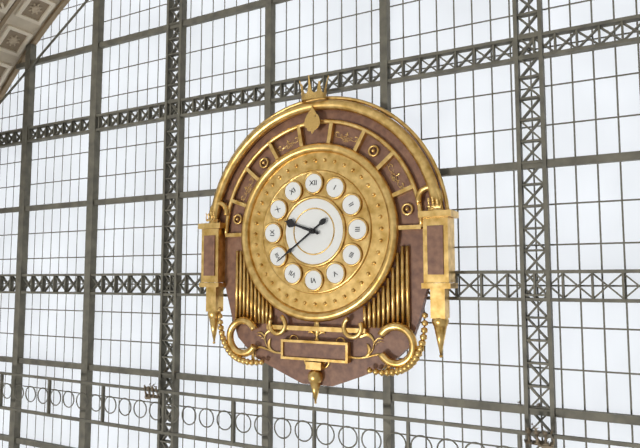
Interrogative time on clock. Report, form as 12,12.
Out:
9,39
